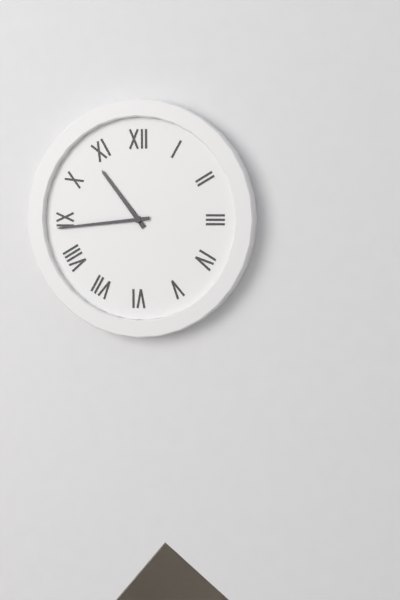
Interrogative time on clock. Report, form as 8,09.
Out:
10,44
